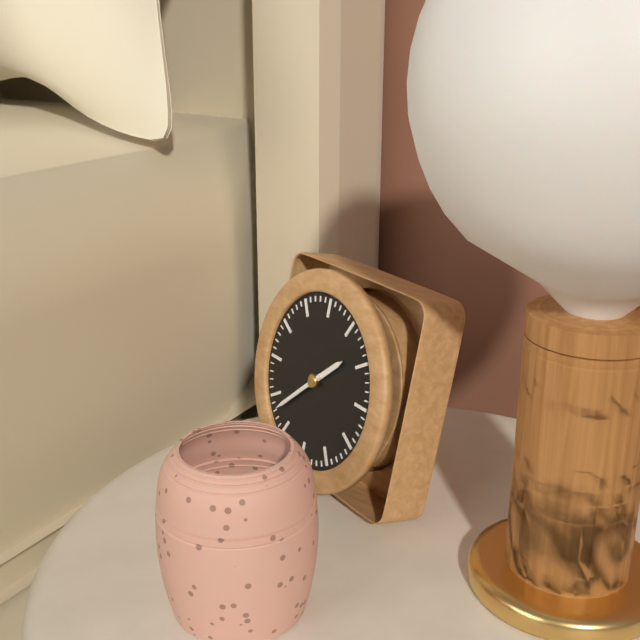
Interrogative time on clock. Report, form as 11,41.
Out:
1,38
